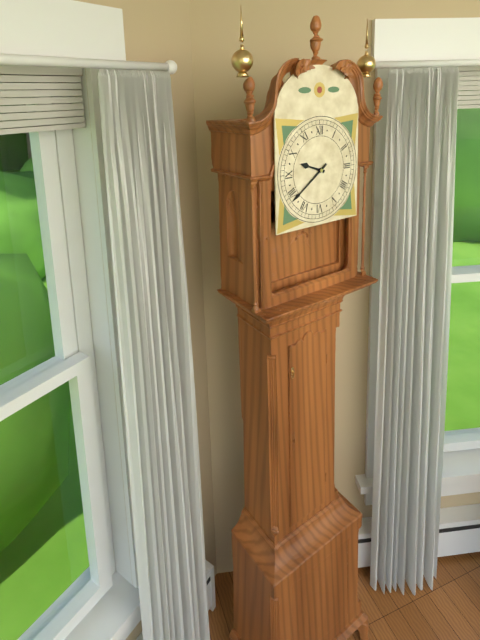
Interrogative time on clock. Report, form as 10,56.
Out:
9,39
